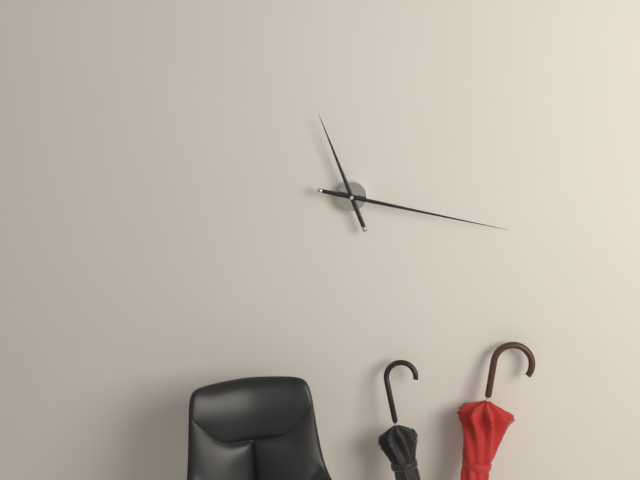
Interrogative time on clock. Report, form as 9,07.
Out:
11,17
